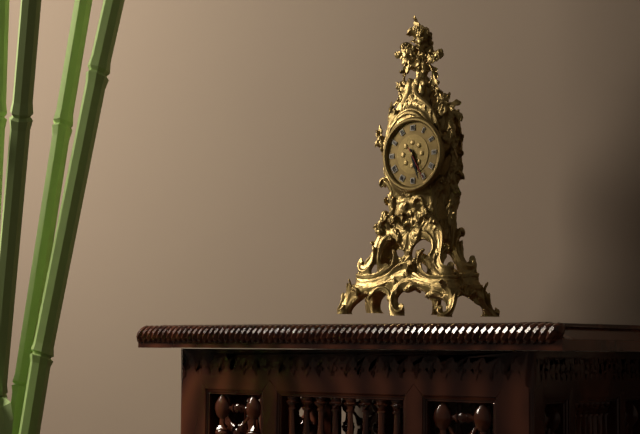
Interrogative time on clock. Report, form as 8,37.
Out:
5,27
